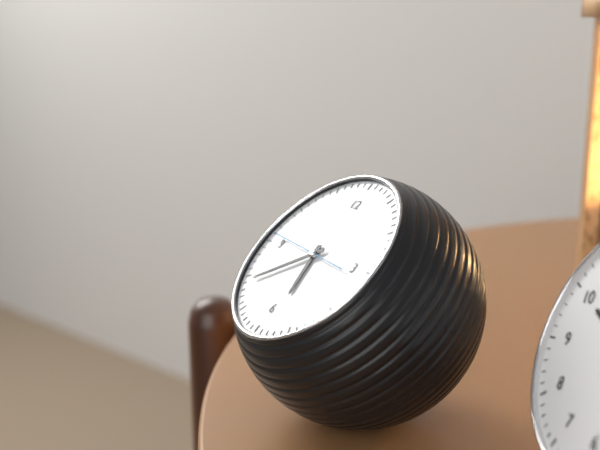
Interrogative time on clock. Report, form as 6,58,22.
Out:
5,39,46
